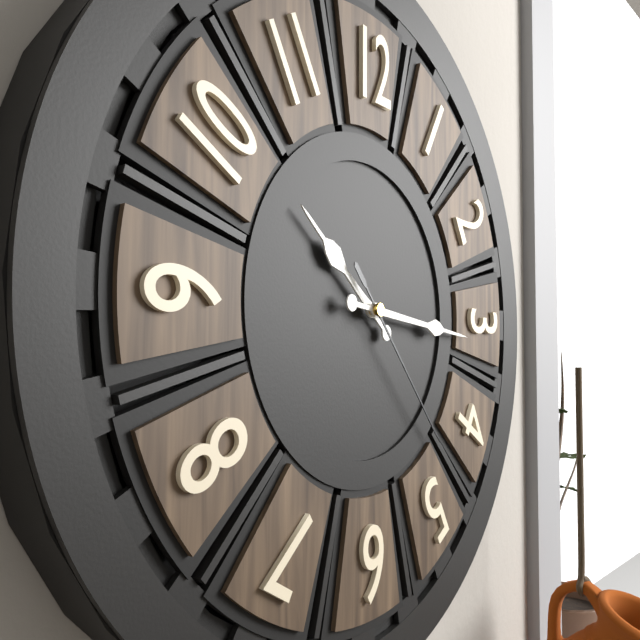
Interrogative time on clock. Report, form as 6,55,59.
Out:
10,16,23
